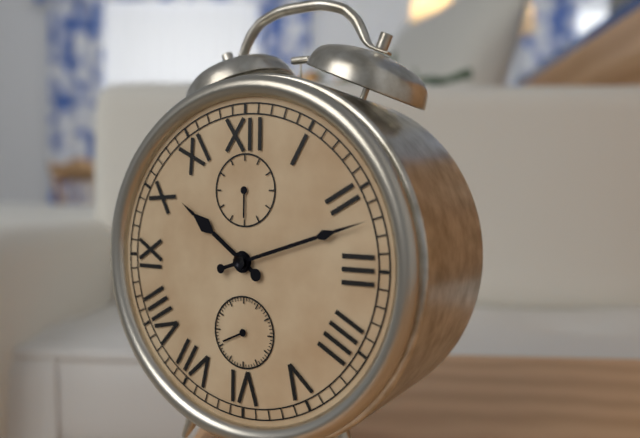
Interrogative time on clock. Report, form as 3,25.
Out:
10,12
